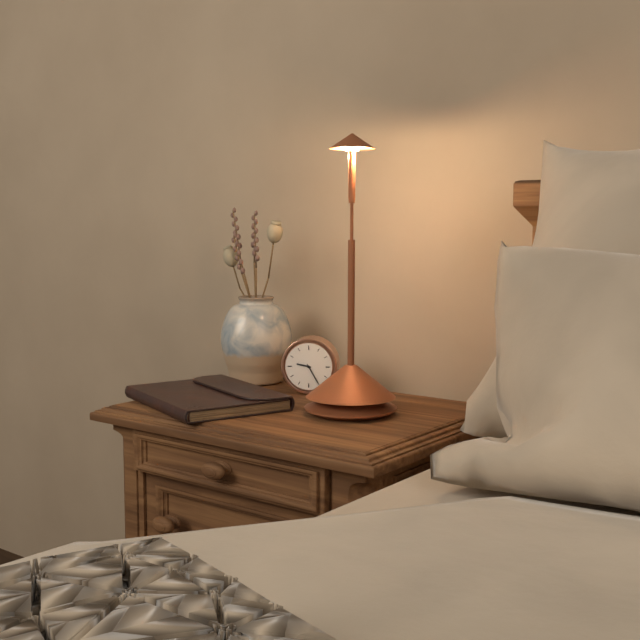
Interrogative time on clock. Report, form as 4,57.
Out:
9,25
